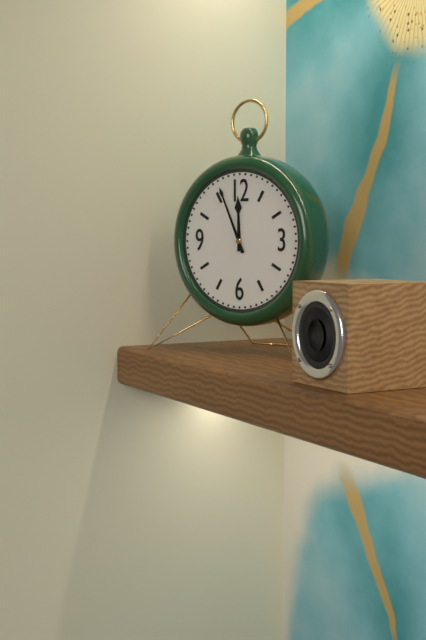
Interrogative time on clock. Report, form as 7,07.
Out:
11,56
